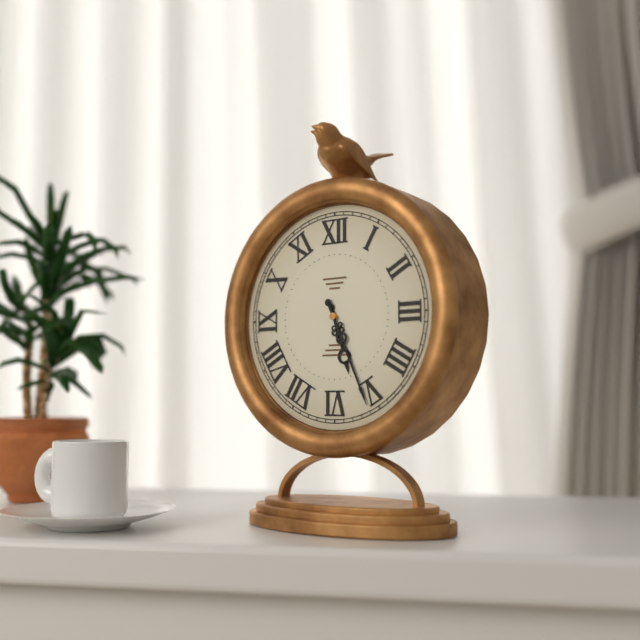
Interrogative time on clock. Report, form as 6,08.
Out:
5,26
